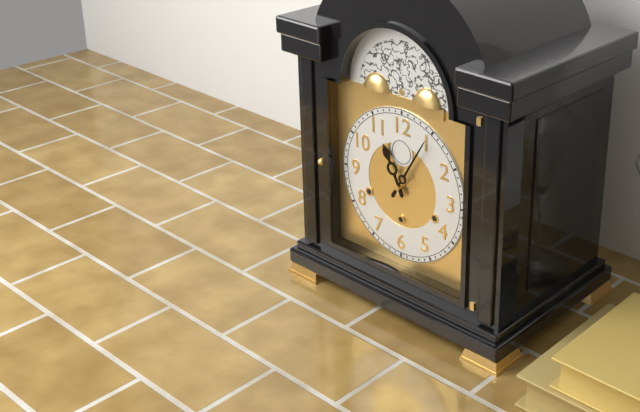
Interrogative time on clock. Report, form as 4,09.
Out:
11,05
